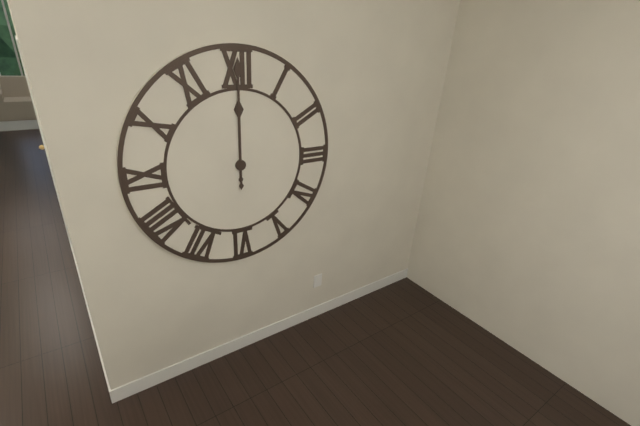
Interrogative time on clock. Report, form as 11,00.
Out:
12,00
